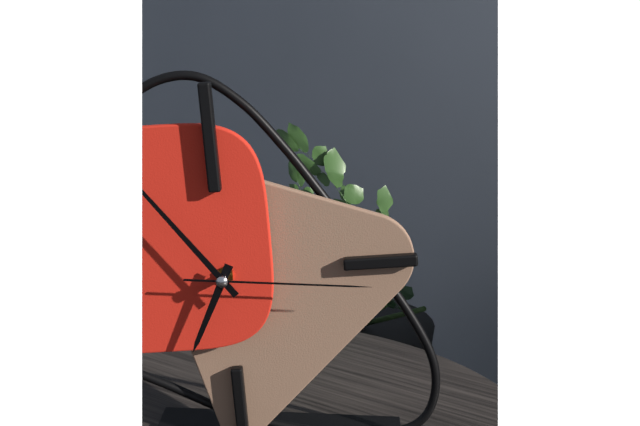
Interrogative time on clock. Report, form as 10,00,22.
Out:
6,54,16
